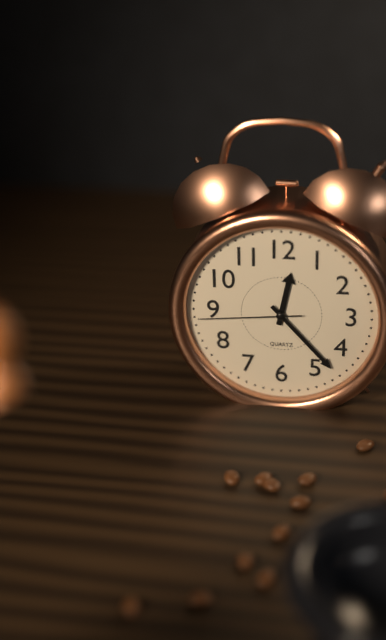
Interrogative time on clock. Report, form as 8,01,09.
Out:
12,23,44
